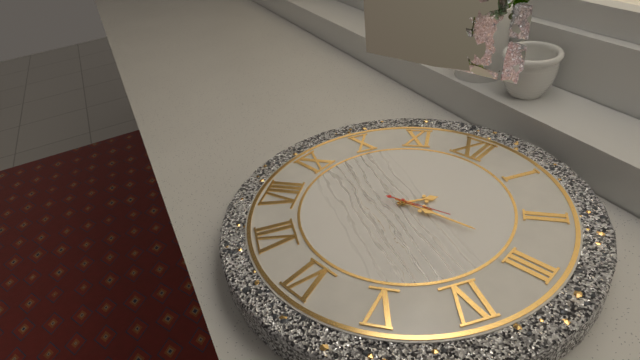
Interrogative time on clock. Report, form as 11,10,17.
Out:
1,14,13
